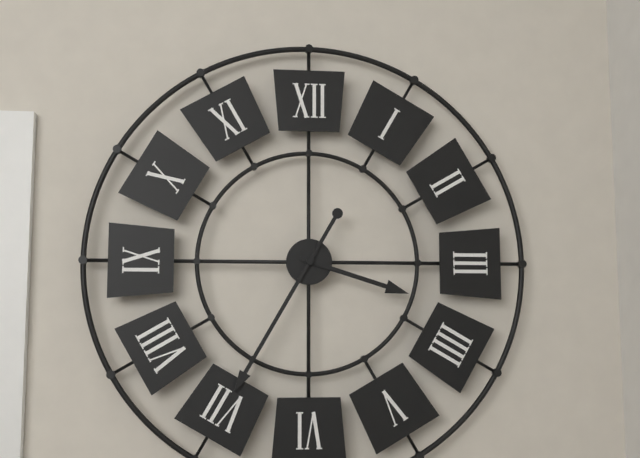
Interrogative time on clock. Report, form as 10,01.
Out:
3,35
